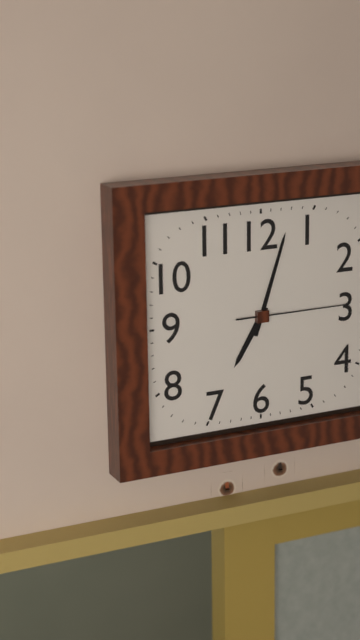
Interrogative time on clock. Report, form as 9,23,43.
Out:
7,03,15
